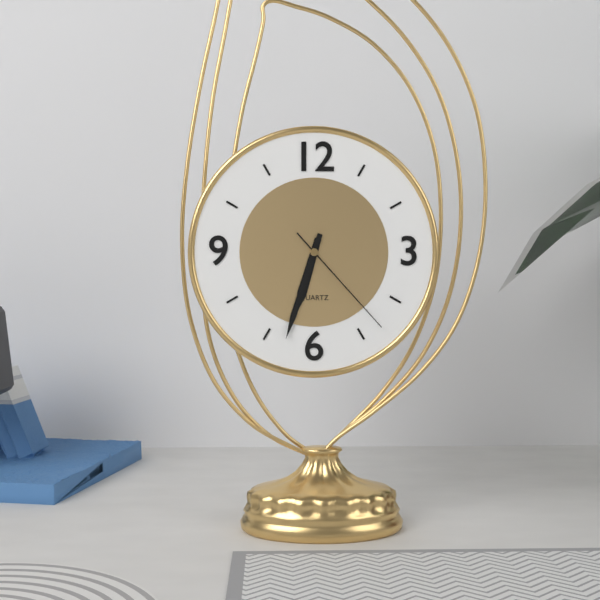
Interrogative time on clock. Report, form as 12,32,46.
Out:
6,33,23
